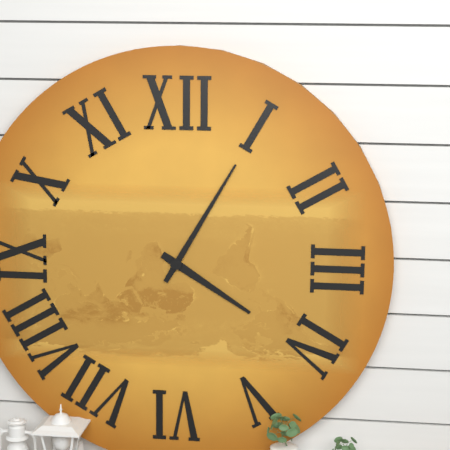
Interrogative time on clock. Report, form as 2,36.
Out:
4,05
